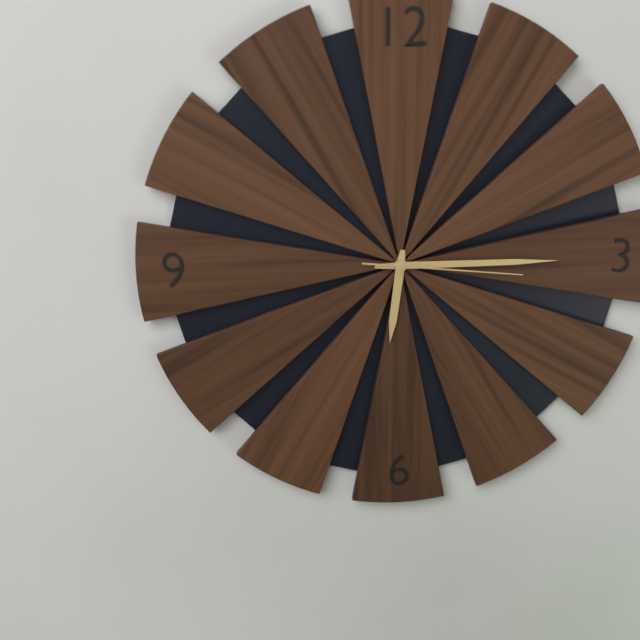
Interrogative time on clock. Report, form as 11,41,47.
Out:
6,15,16
